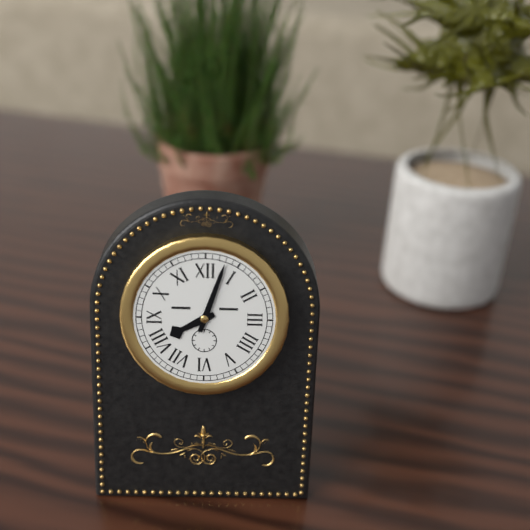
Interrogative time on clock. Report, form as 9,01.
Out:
8,03
